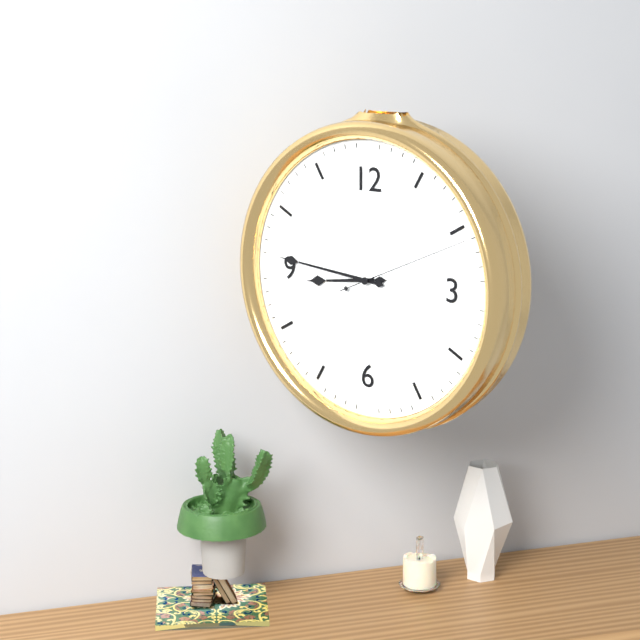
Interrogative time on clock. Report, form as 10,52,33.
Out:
8,46,11
